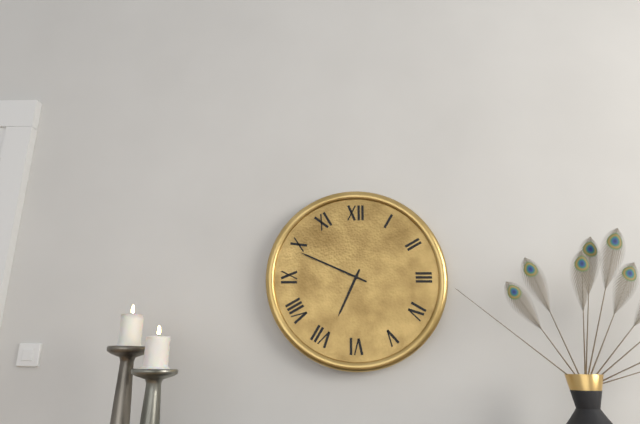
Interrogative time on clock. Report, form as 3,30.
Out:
6,49
